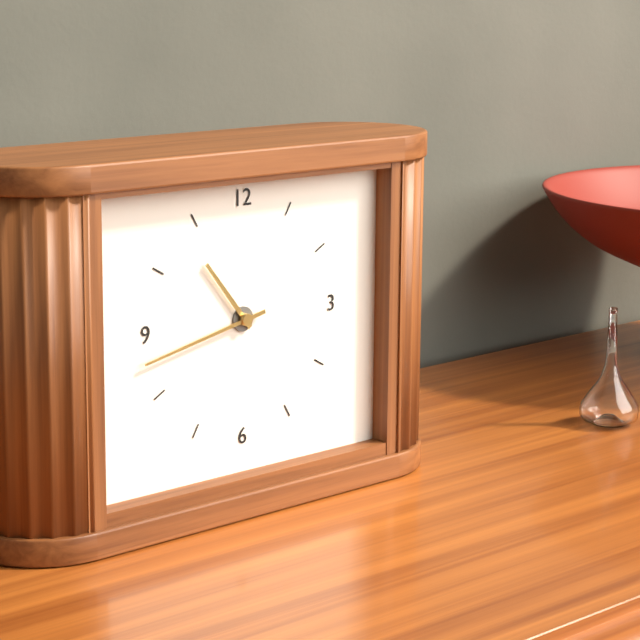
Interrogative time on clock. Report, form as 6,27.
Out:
10,43
